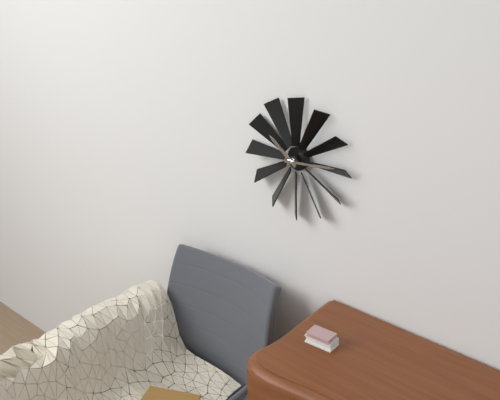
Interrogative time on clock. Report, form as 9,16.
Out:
10,14
